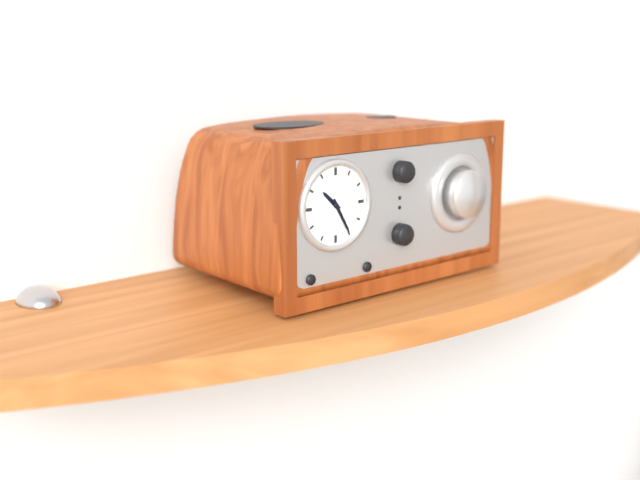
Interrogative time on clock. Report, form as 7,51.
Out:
10,25
